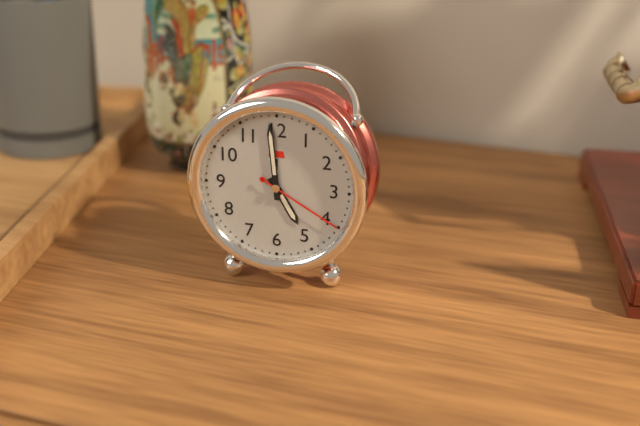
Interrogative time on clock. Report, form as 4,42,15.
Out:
4,59,20
